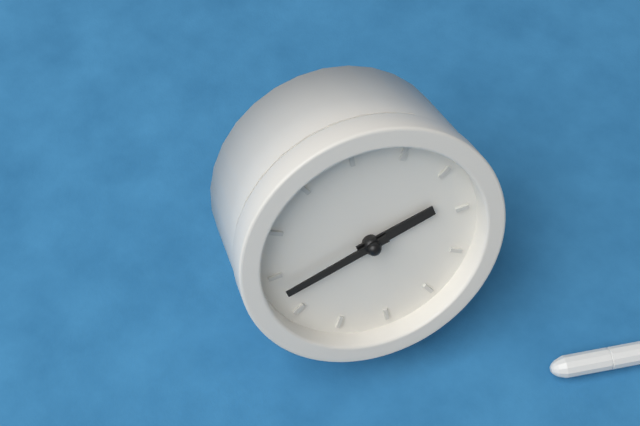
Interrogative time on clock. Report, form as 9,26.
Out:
1,38
